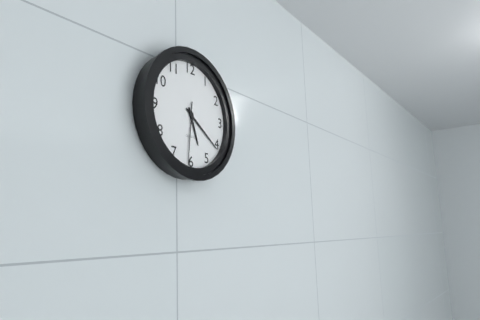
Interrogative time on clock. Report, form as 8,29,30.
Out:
5,21,31
